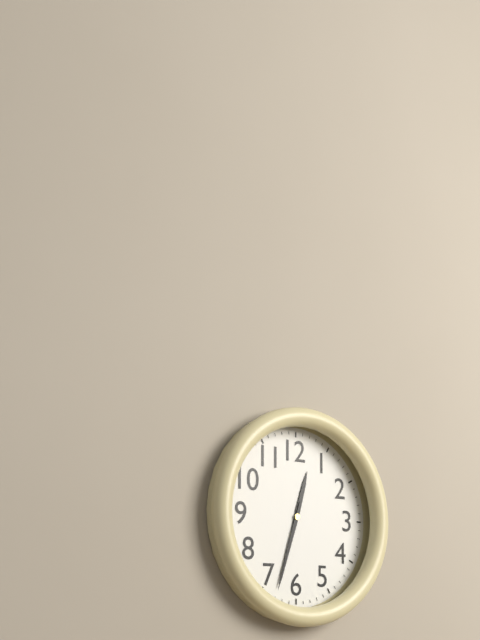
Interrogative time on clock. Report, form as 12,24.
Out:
12,33
